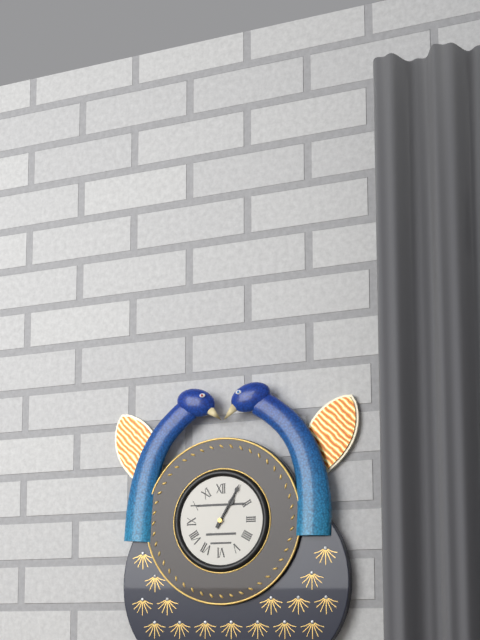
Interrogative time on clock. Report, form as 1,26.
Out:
1,05
